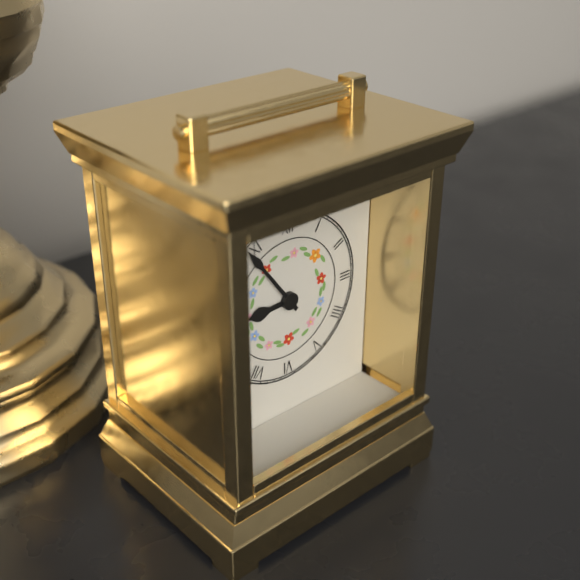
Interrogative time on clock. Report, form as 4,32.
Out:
8,54
